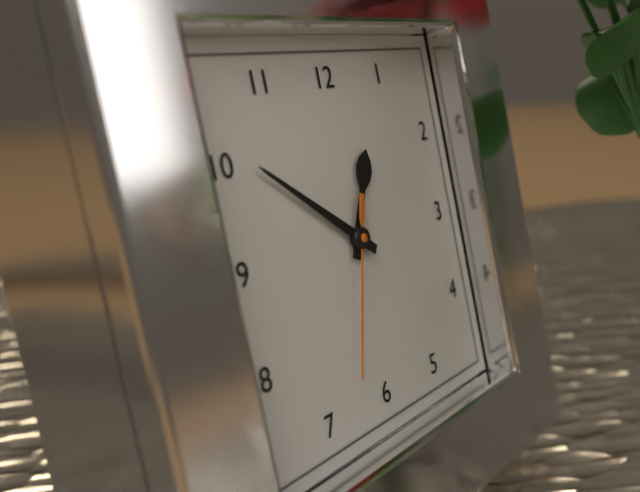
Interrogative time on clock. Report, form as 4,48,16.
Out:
12,51,33
